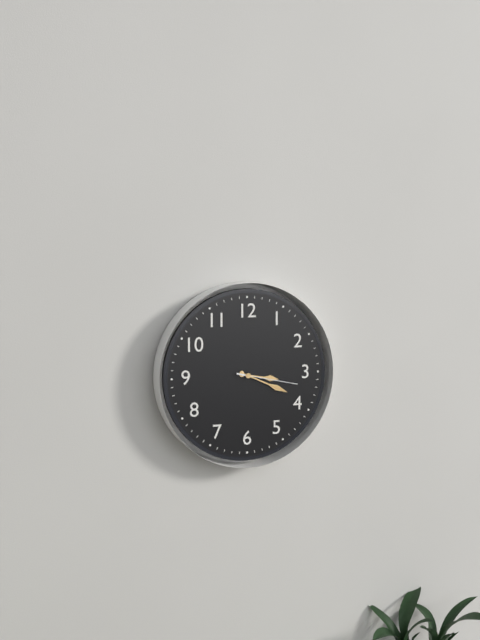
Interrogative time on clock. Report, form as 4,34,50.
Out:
3,19,17
